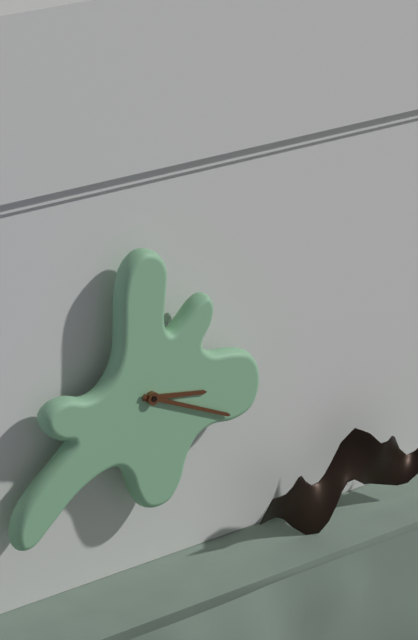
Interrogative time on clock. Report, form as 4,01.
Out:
3,19
